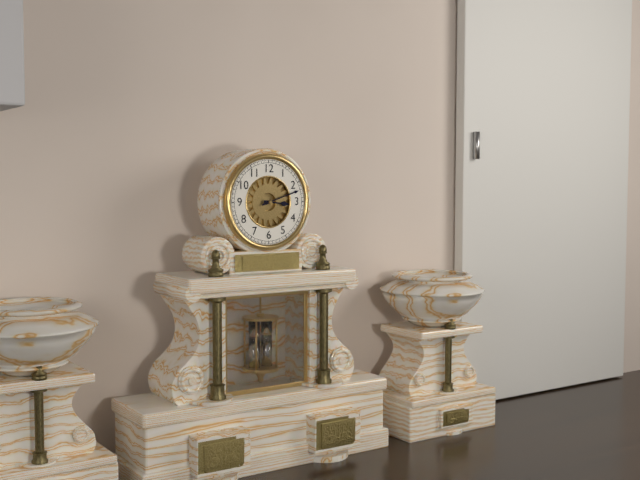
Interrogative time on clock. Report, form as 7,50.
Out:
3,12
